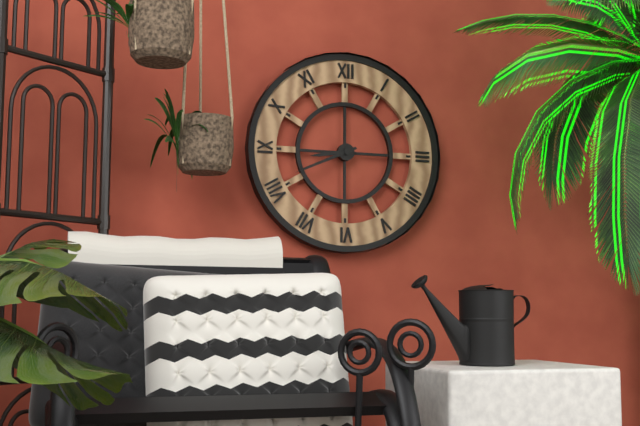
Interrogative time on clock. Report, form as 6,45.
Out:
8,41
